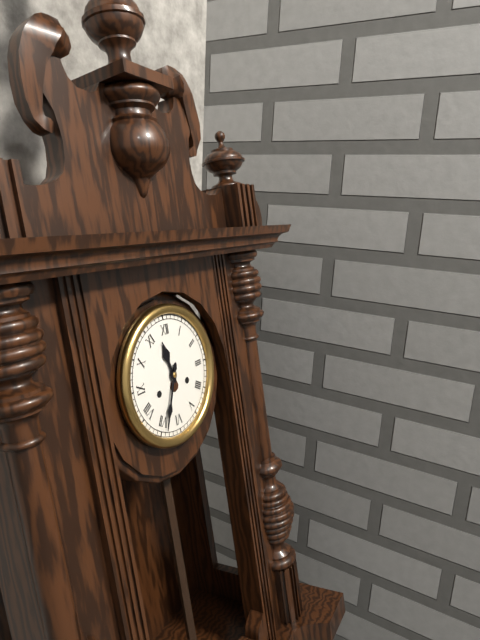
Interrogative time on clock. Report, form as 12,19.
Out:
11,34
